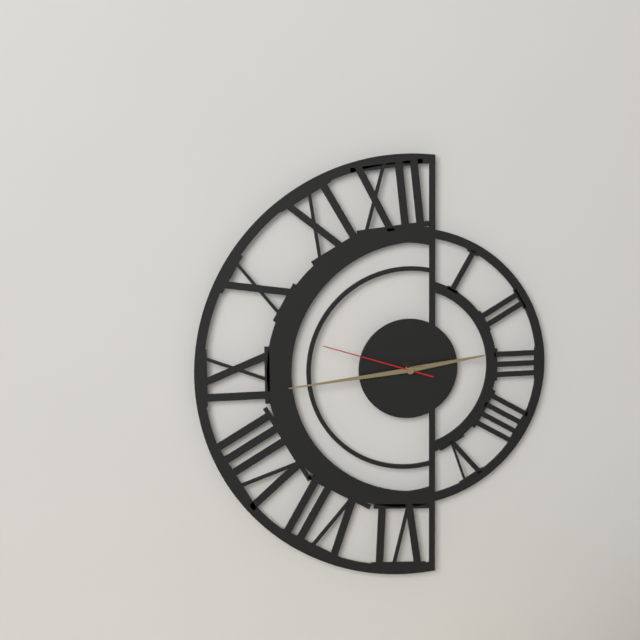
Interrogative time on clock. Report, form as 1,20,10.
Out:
2,44,48
